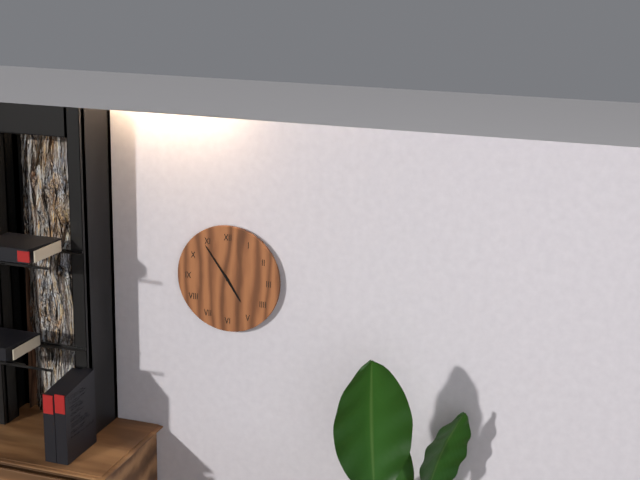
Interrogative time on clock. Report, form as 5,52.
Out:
4,54
